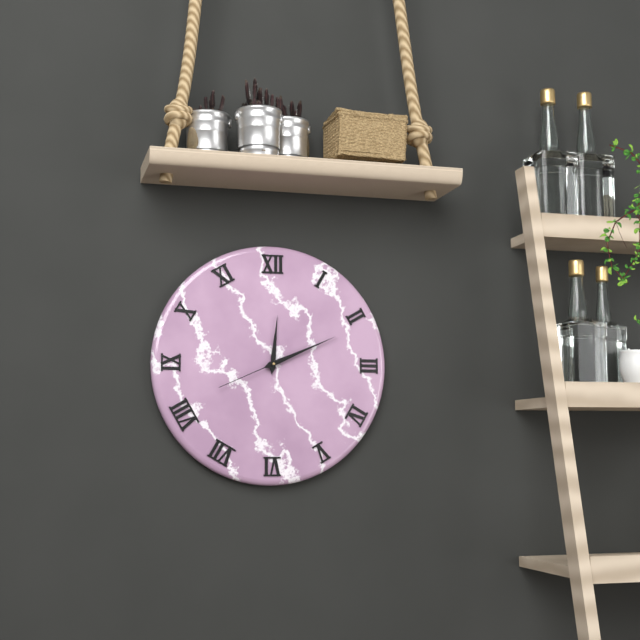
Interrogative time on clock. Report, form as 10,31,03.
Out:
12,11,41
